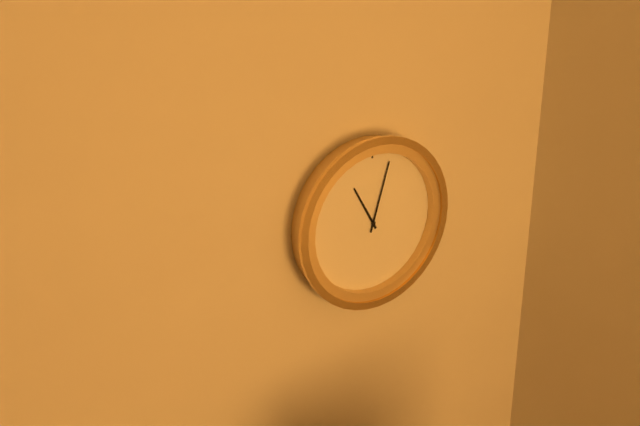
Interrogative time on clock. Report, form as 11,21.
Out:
11,03
